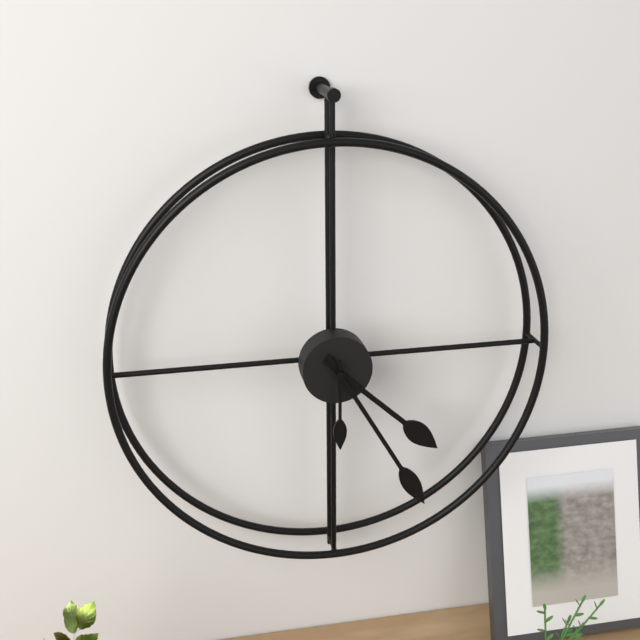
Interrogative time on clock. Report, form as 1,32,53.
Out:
4,25,30
